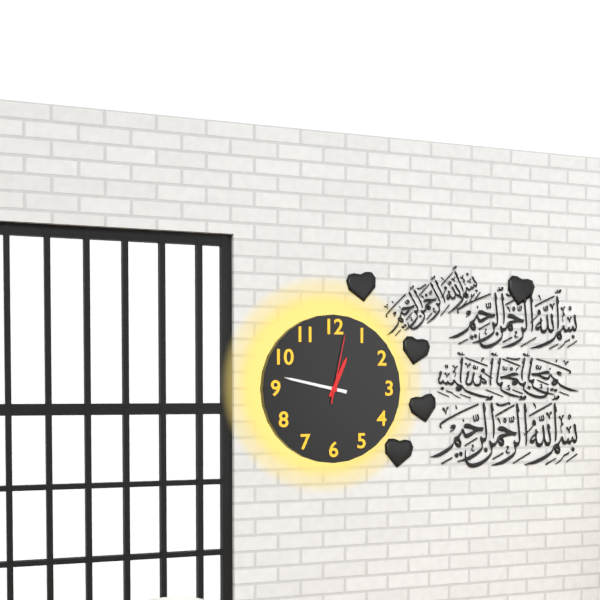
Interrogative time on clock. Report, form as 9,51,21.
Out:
12,47,02
